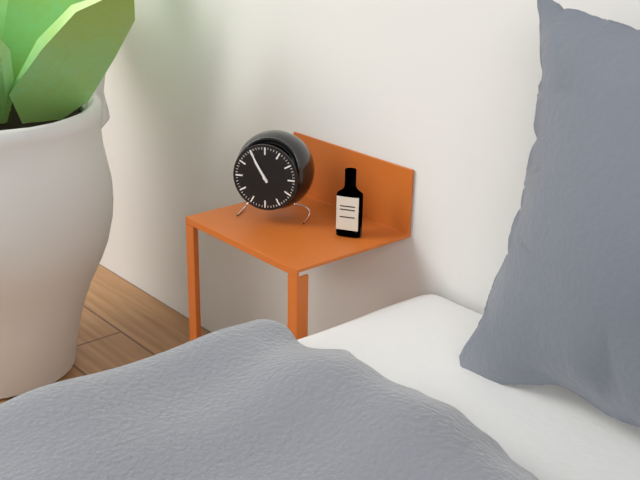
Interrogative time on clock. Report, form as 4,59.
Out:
10,55
